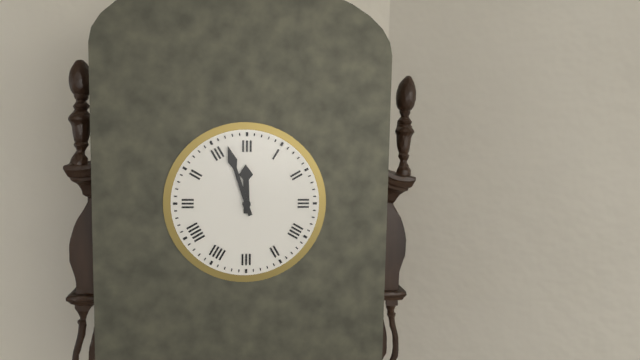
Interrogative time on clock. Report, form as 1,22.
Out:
11,57
